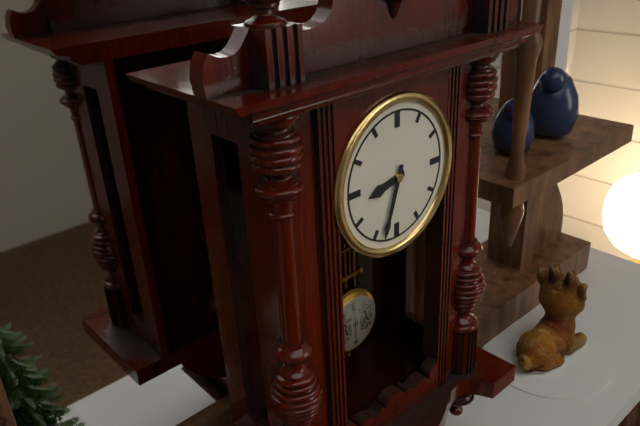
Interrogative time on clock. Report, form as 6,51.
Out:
8,33
